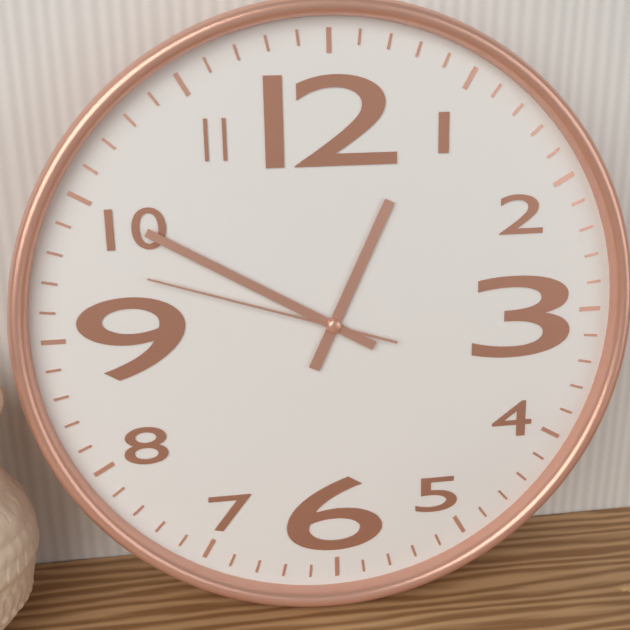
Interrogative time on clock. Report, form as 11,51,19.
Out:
12,50,48
